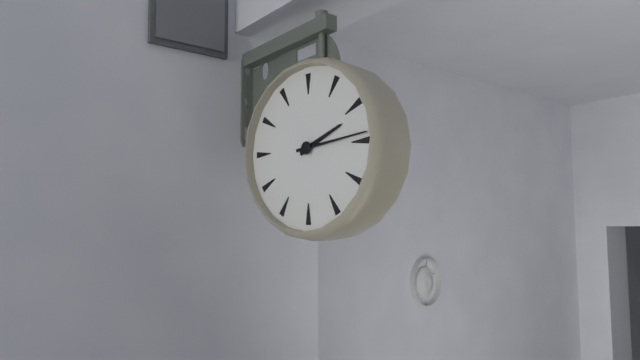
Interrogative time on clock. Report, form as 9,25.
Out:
2,14
